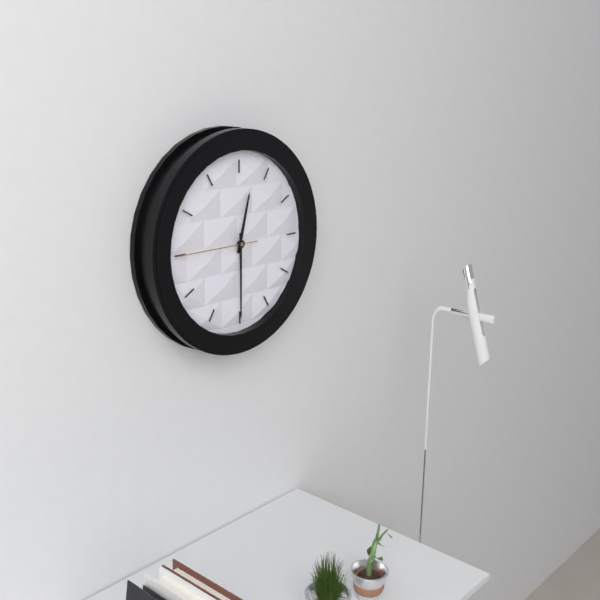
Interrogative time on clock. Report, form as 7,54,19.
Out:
12,30,45
